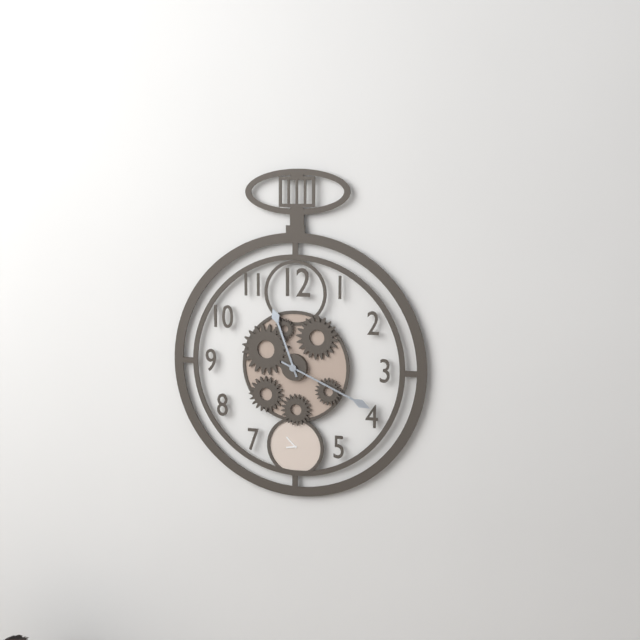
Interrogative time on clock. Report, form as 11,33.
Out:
11,19
